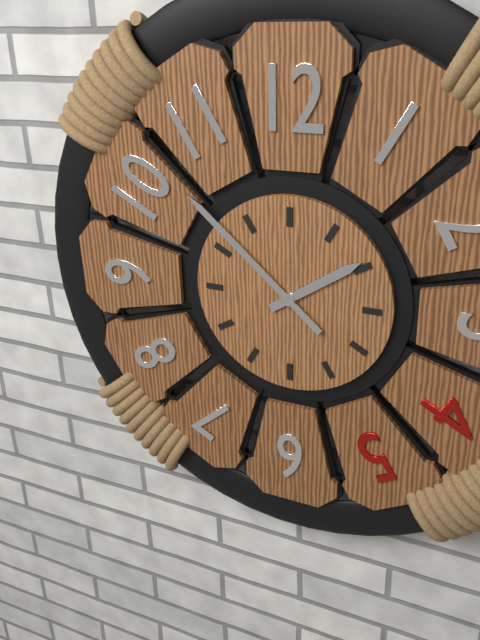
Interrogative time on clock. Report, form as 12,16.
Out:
1,52
